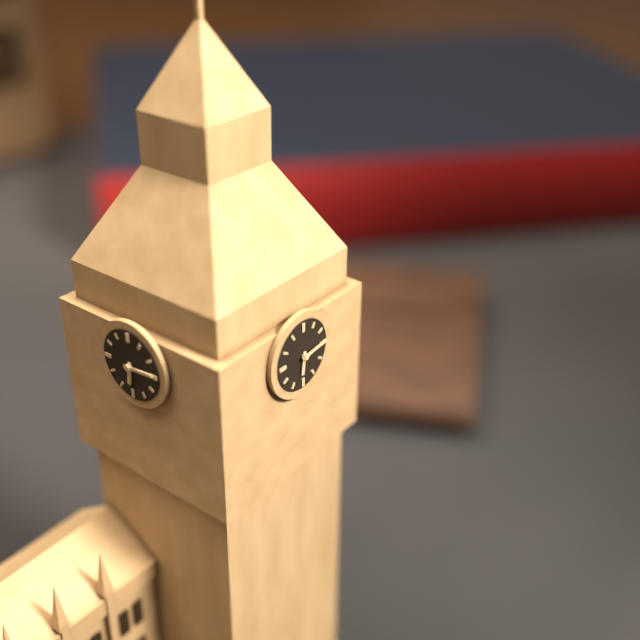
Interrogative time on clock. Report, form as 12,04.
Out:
6,14
